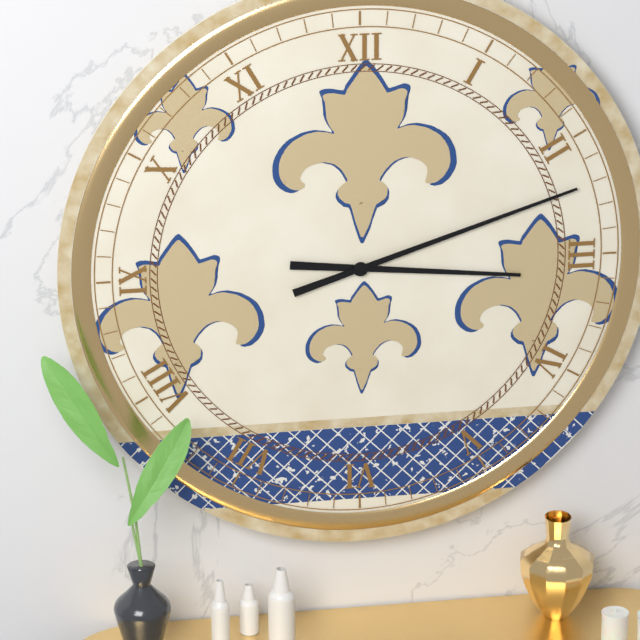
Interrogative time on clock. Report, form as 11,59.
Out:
3,12
